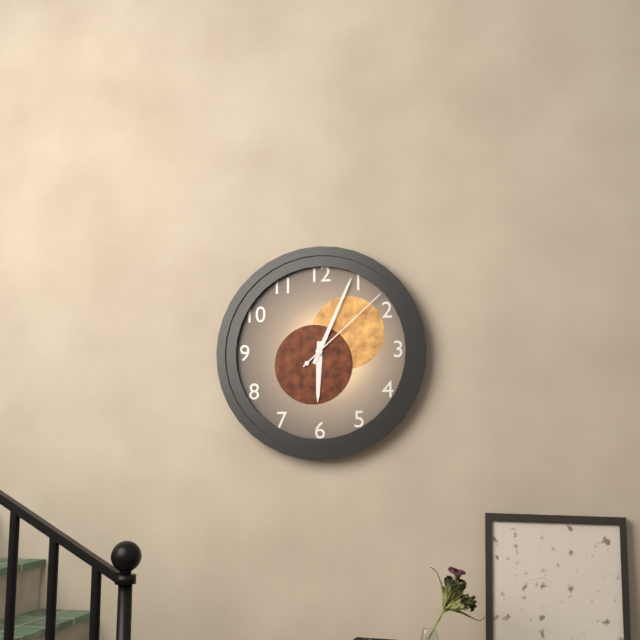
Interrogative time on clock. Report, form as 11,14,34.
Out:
6,04,08
